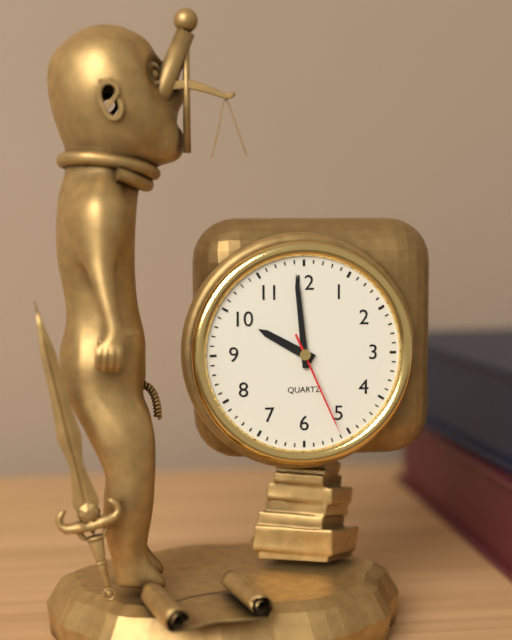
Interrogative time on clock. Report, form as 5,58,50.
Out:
9,59,26
